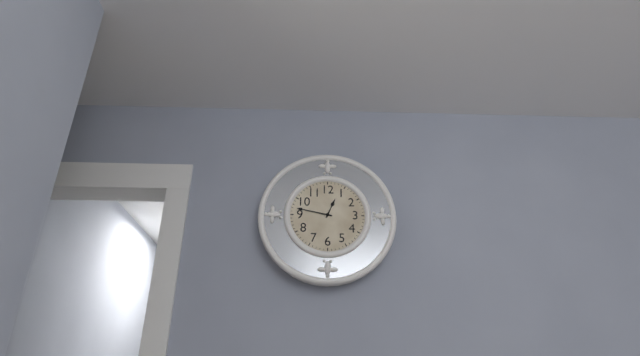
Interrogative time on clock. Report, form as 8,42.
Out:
12,47
